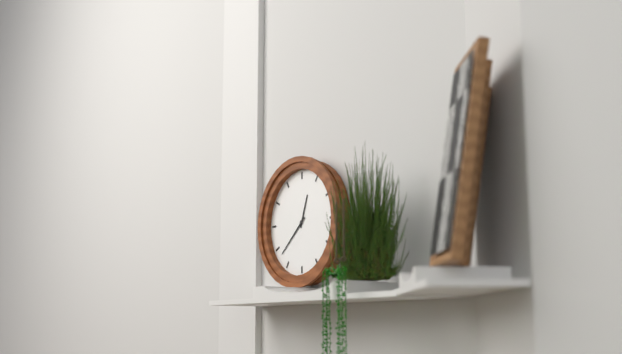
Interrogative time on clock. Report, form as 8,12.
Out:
12,38
